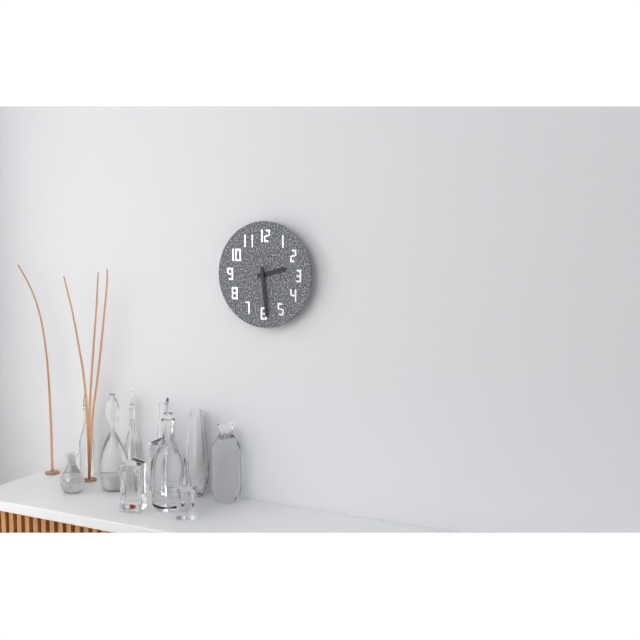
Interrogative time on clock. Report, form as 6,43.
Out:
2,29
